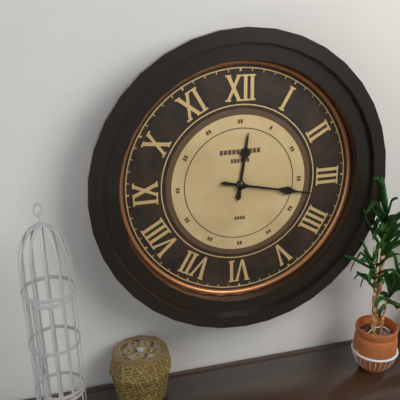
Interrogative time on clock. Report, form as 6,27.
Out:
12,17
